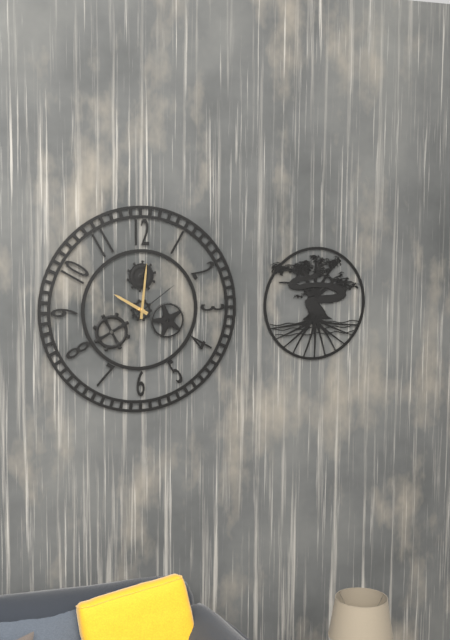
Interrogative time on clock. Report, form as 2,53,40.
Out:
10,01,09
